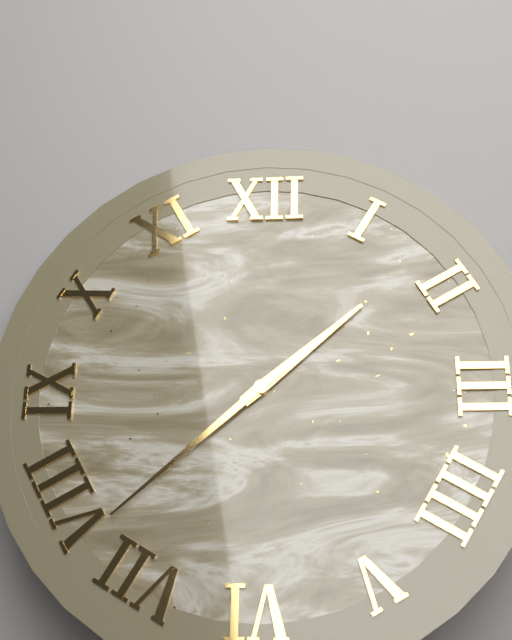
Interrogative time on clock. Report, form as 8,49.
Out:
1,38
